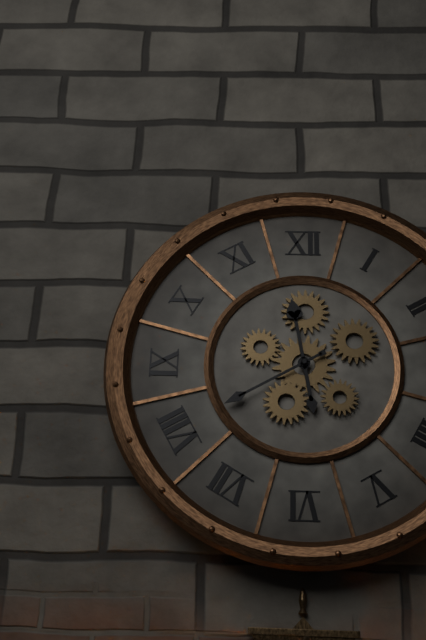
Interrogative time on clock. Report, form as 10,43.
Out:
11,40
